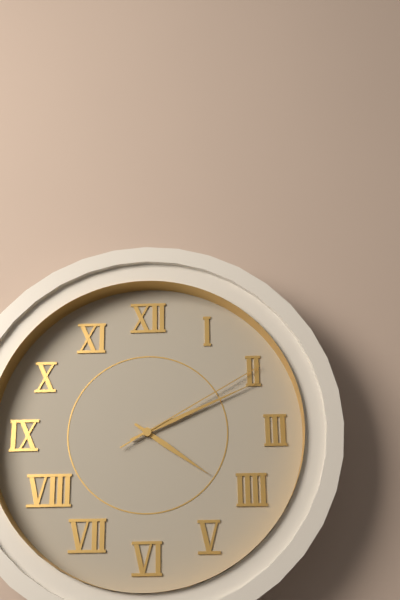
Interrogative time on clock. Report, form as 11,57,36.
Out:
4,11,10
